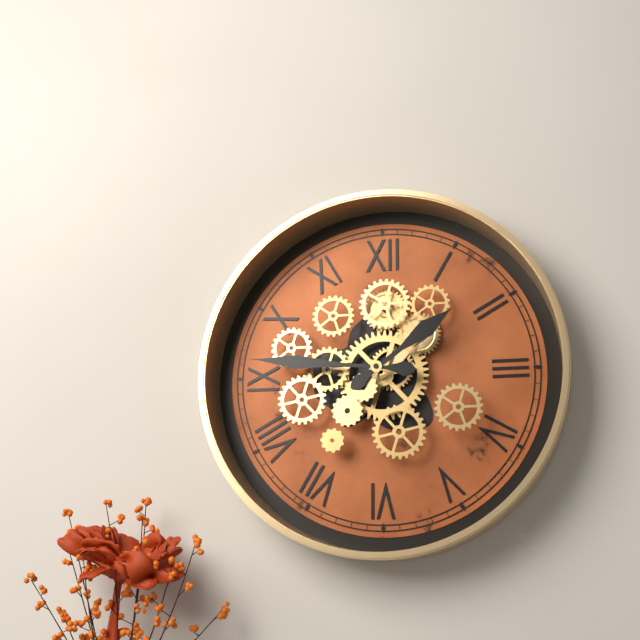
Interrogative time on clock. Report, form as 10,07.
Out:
1,46
